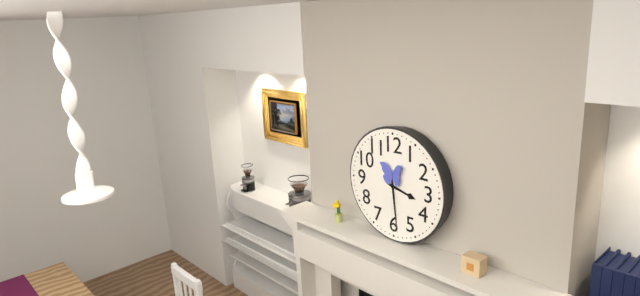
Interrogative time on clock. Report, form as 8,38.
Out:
3,29
